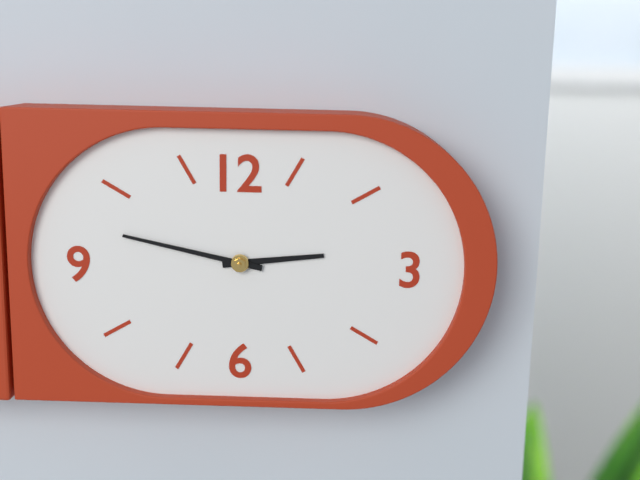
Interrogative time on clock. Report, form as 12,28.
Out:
2,47
